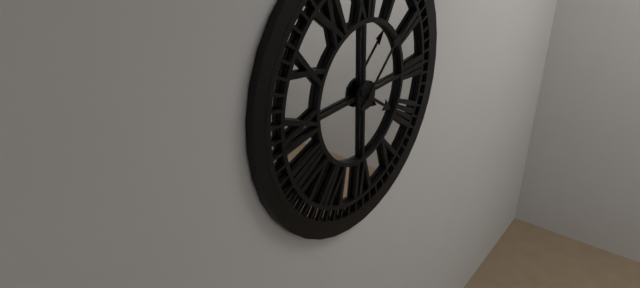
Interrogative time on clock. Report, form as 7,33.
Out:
4,08
